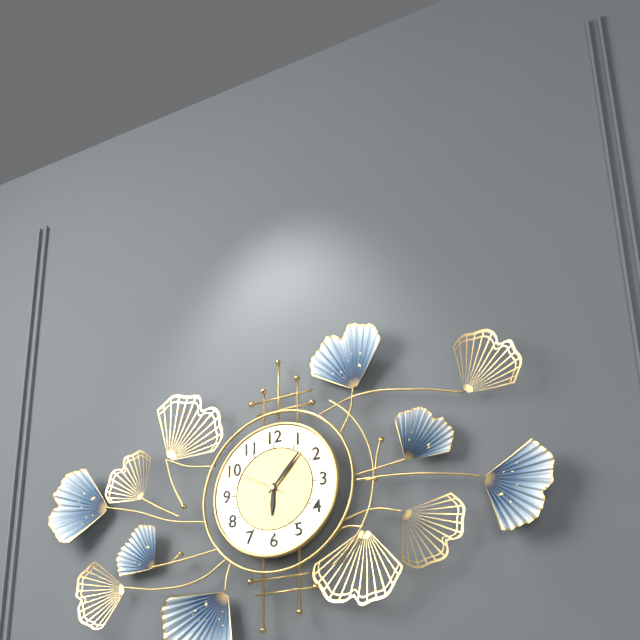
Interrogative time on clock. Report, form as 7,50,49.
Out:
6,07,50
